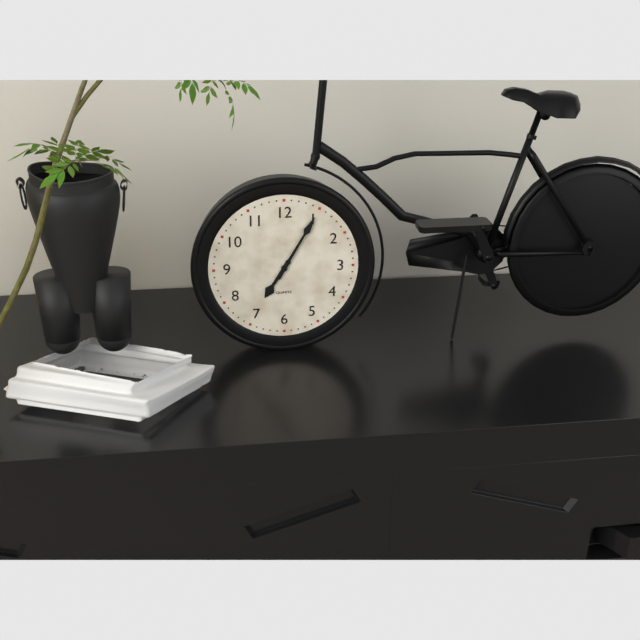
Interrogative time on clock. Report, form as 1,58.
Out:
7,05
